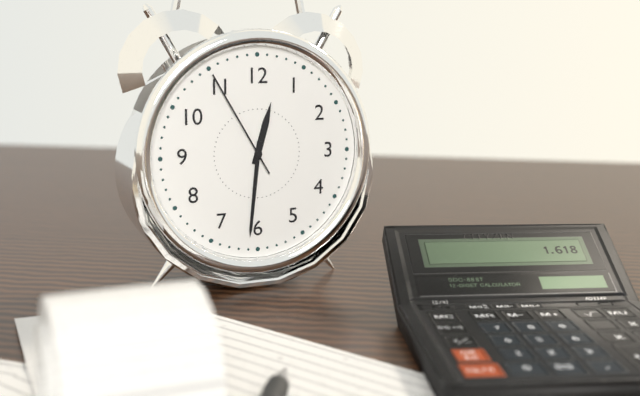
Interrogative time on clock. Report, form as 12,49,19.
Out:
12,31,55
